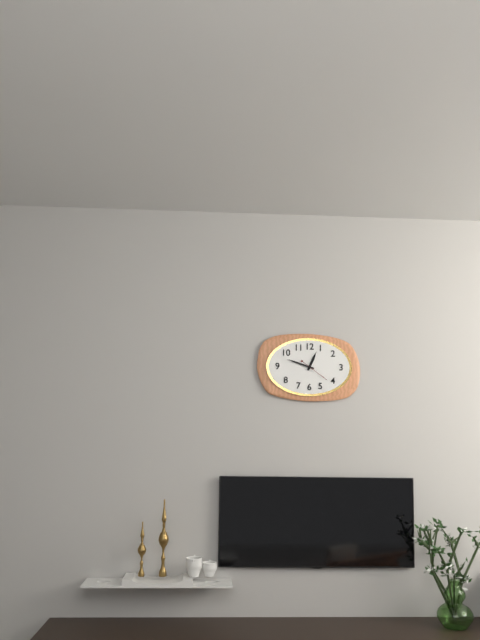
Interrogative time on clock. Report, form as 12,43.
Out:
12,48
